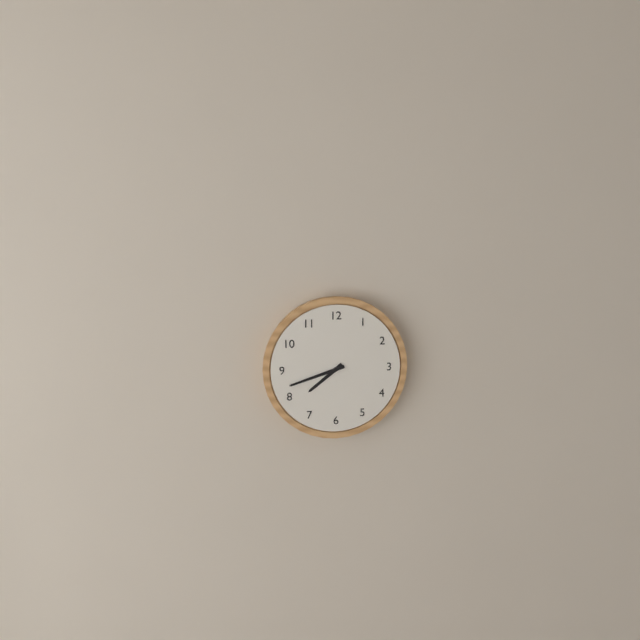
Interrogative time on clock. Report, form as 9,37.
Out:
7,42
